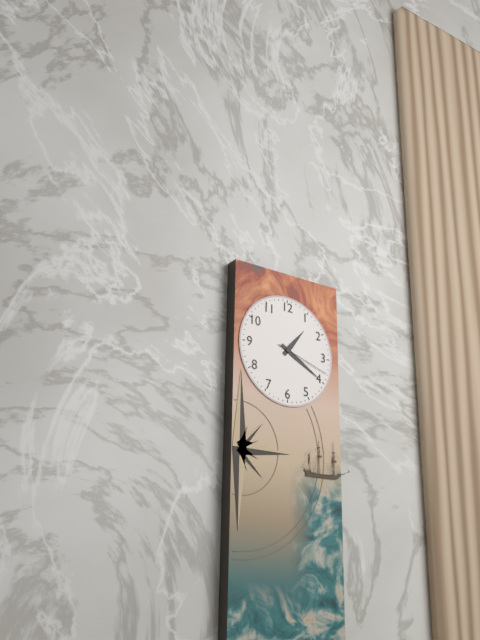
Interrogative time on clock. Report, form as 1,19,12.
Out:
1,20,18
